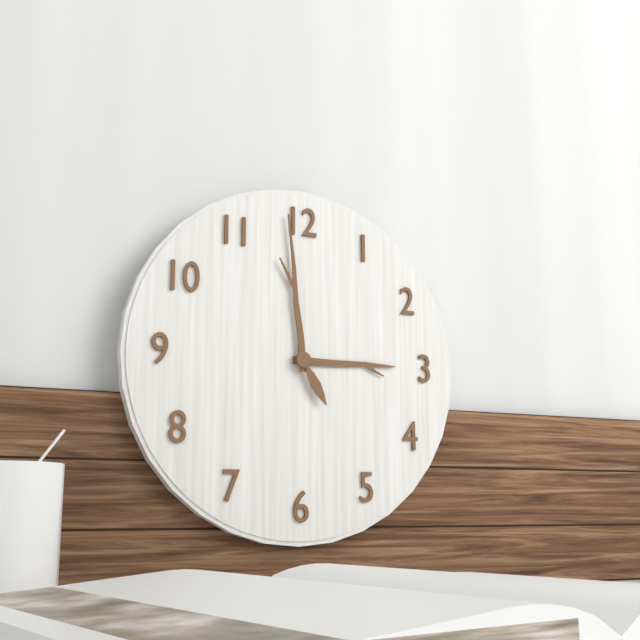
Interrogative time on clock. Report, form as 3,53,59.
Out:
2,59,25
